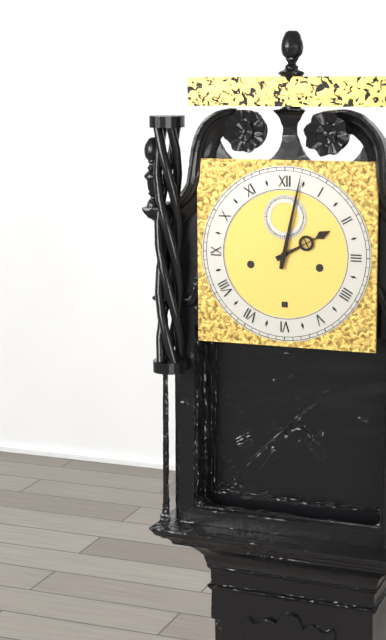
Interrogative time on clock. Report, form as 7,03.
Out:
2,02
